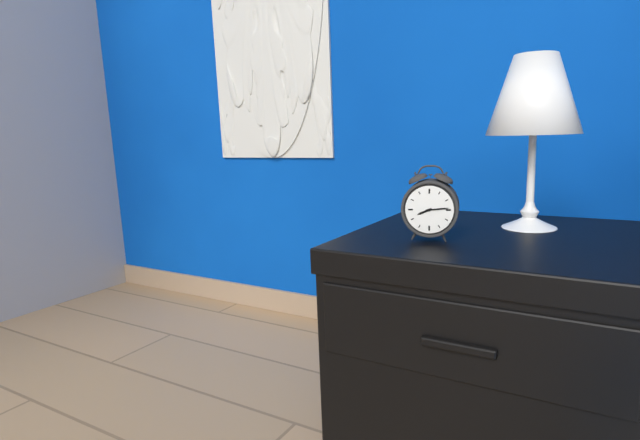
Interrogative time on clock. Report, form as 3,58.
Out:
8,14
